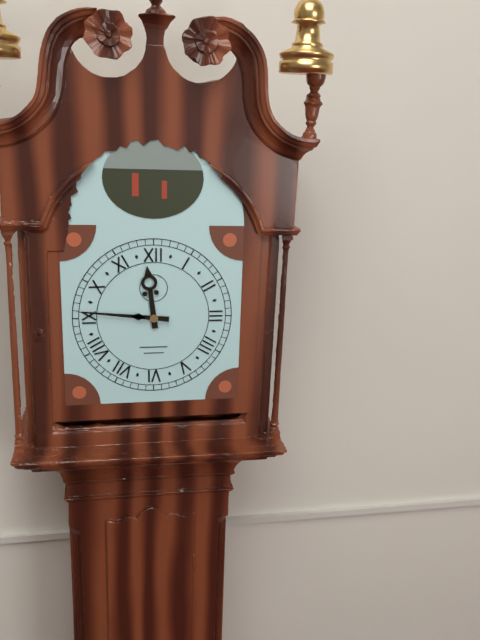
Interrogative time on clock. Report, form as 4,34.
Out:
11,46
